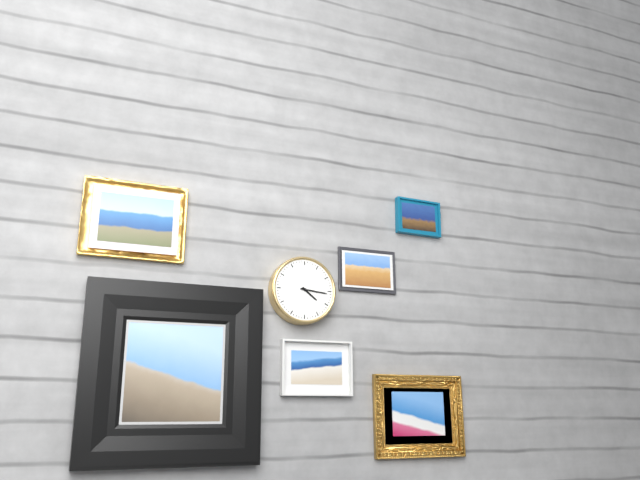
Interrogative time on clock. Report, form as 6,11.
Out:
4,16
